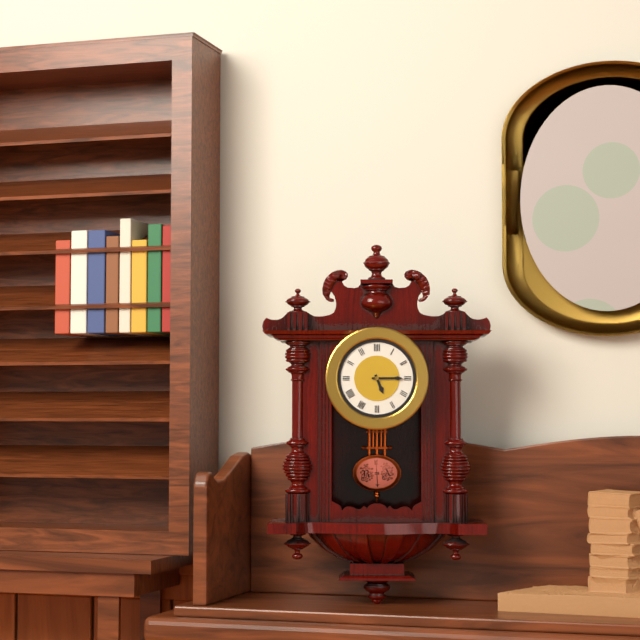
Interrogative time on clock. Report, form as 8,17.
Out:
5,15
